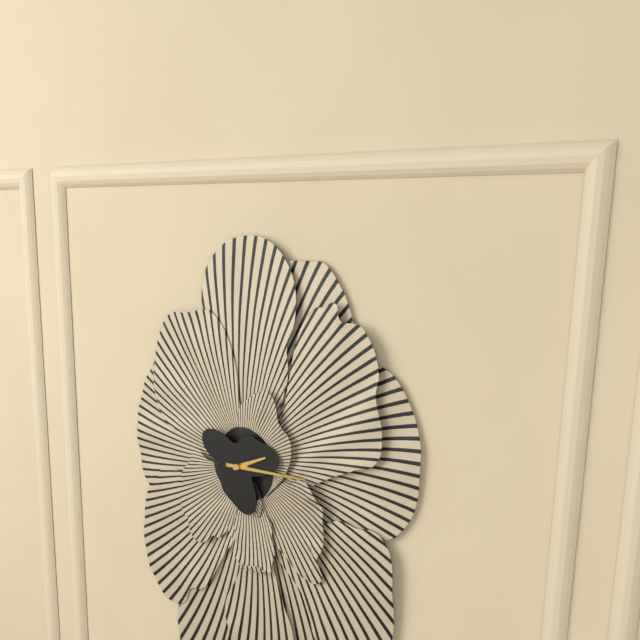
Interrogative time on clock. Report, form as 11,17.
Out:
2,15
